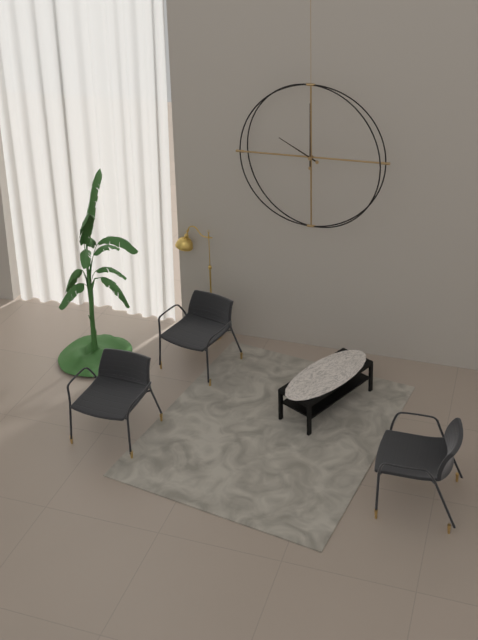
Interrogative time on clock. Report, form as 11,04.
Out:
10,00
